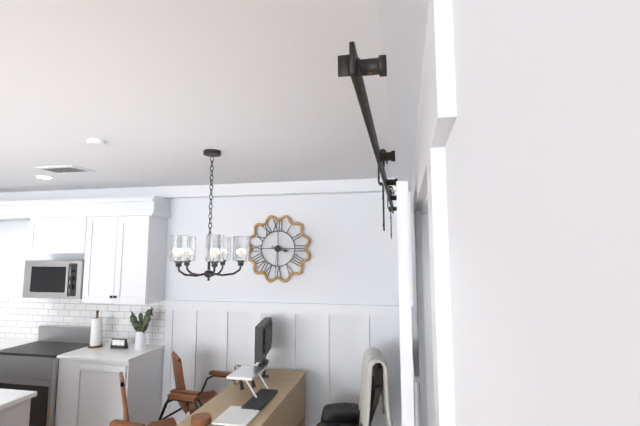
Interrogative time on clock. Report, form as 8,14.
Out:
3,31
